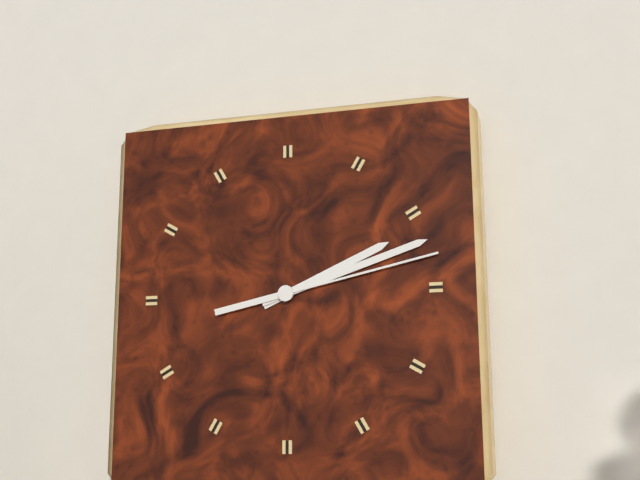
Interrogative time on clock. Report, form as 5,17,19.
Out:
2,12,13
